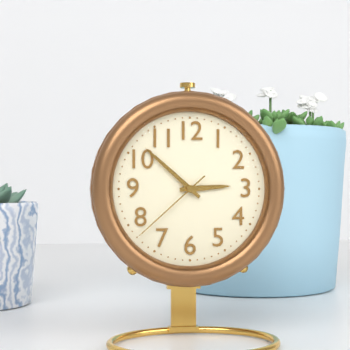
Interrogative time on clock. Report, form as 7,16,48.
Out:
2,52,38
